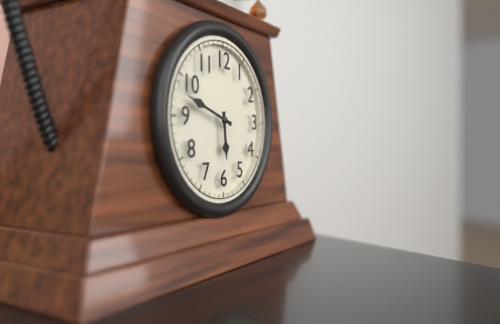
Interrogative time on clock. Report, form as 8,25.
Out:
5,48
